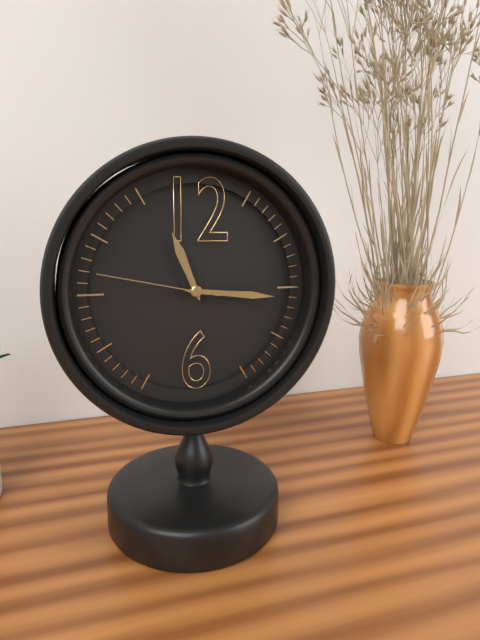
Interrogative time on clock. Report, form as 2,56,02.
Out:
11,16,47
